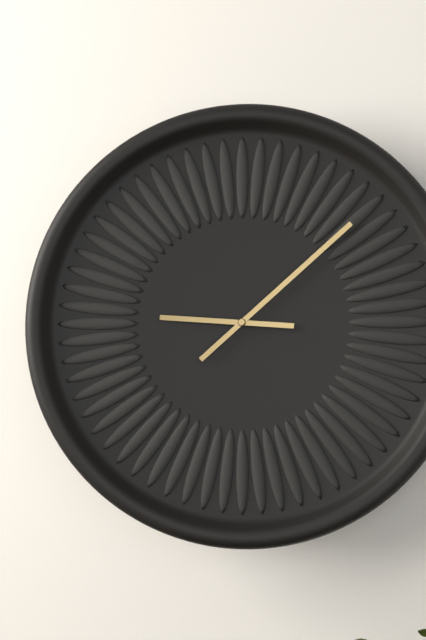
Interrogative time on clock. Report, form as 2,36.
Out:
9,08
